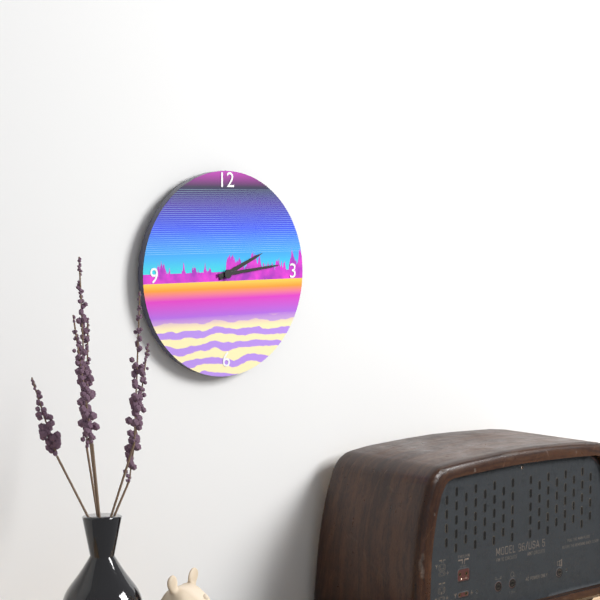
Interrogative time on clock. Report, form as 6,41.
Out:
2,14
